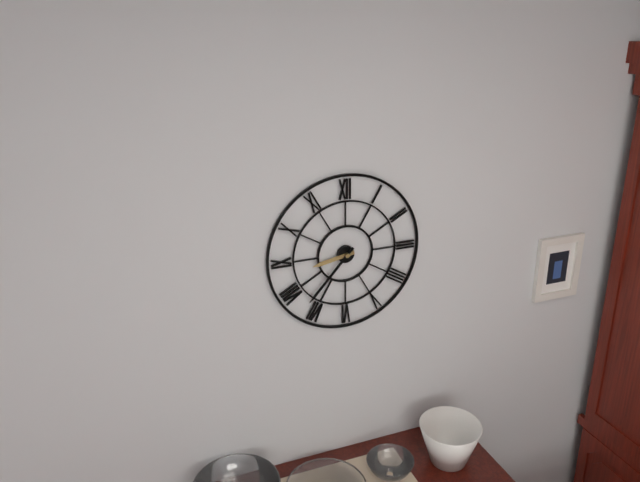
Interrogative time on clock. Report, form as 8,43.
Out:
8,37
